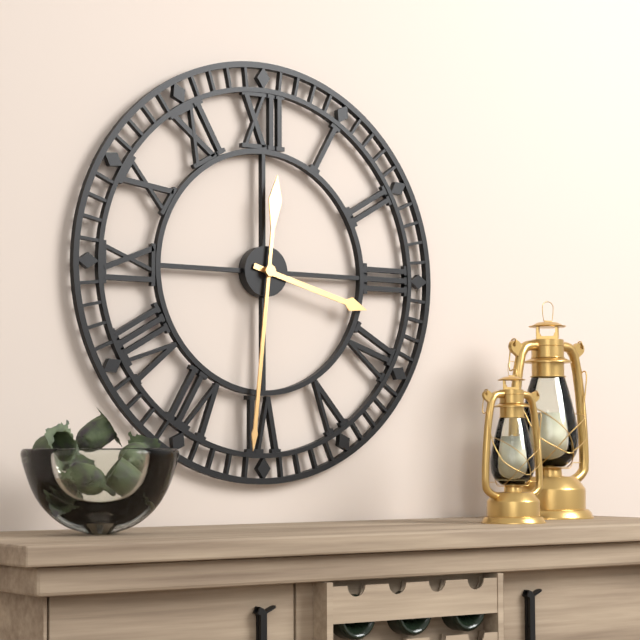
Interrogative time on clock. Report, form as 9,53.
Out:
3,31
